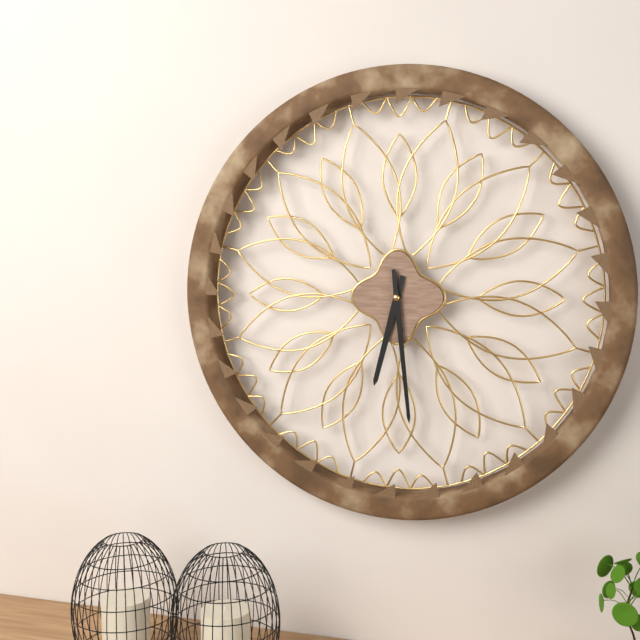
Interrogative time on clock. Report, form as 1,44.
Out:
6,29
